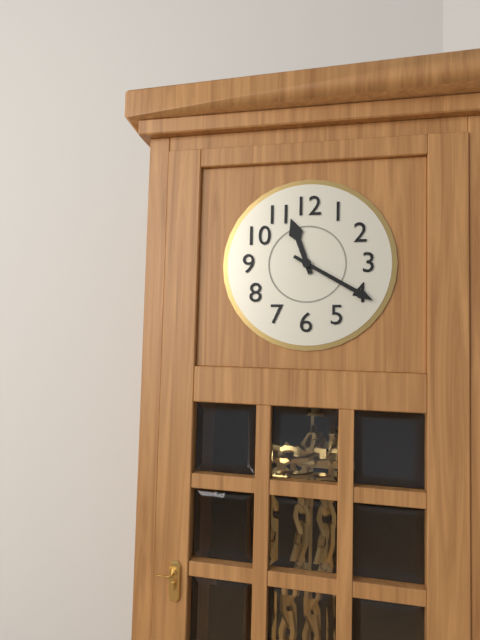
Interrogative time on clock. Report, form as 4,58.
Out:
11,20
